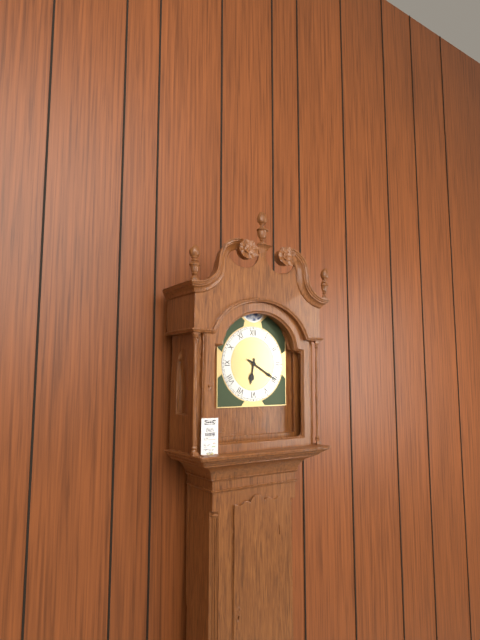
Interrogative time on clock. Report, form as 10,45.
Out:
6,20
